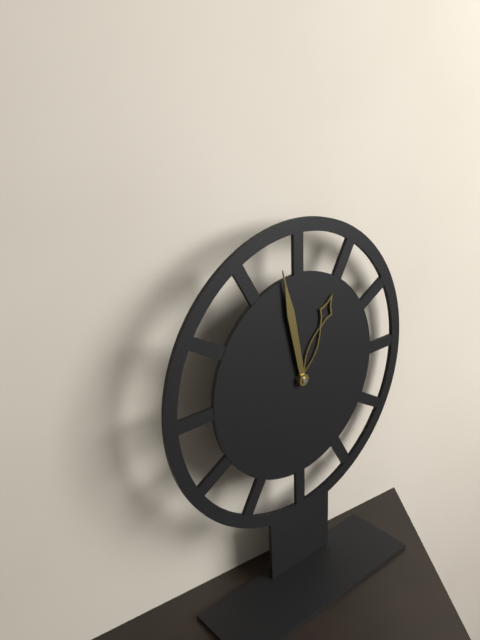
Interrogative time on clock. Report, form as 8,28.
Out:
12,58
